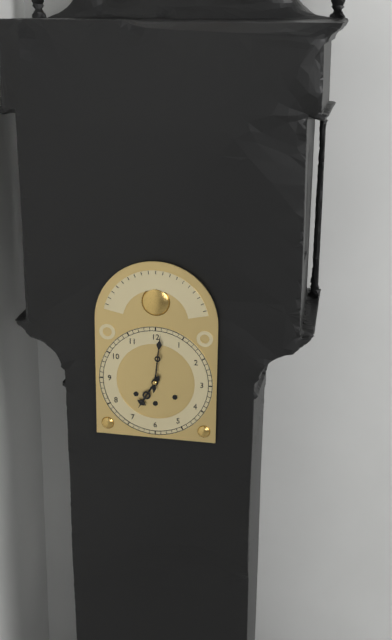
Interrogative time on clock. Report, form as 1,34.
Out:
7,01
